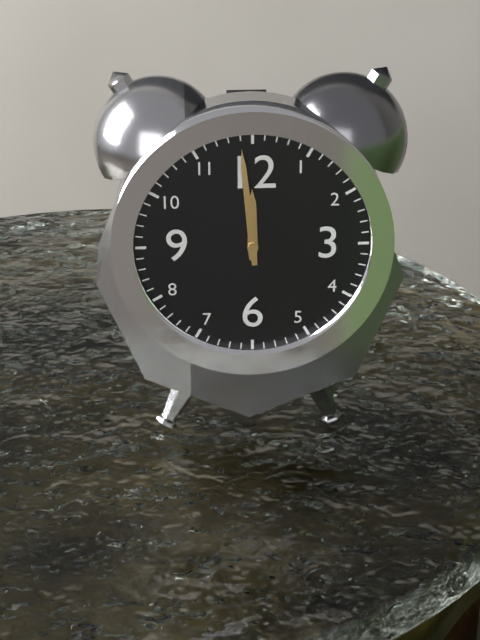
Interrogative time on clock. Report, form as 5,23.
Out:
11,59
